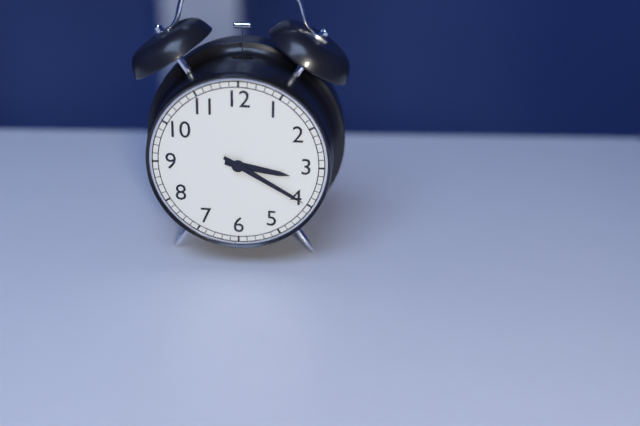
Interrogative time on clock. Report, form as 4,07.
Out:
3,20
